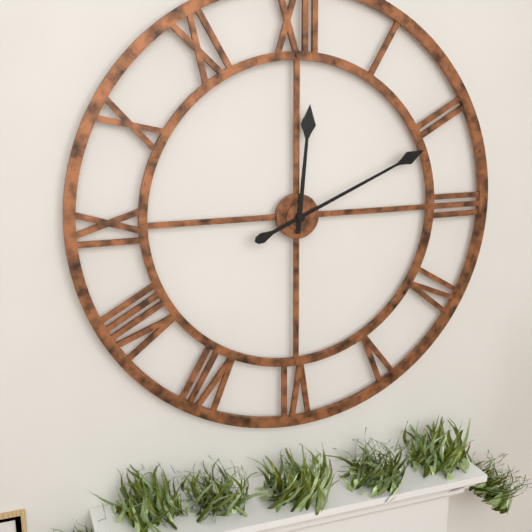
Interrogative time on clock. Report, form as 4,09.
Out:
12,11
